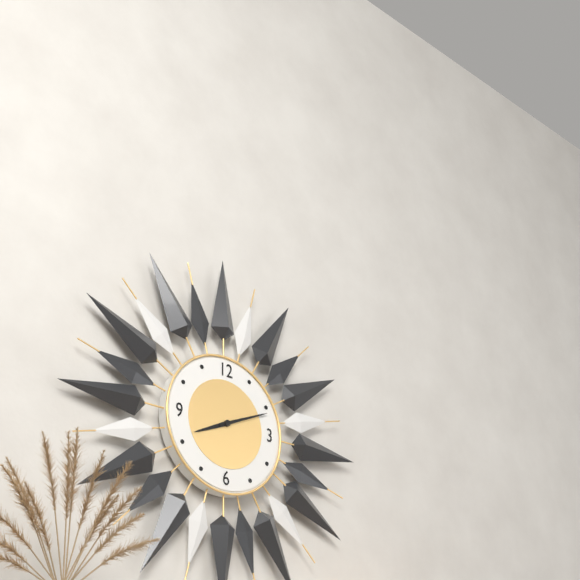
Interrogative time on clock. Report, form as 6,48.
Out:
8,11
